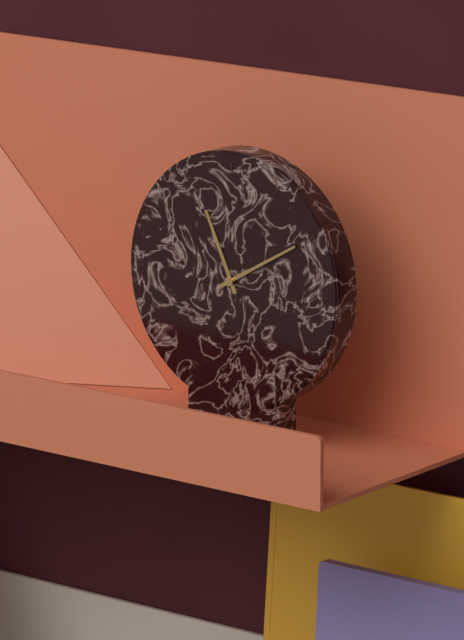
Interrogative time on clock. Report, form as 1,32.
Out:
11,10
